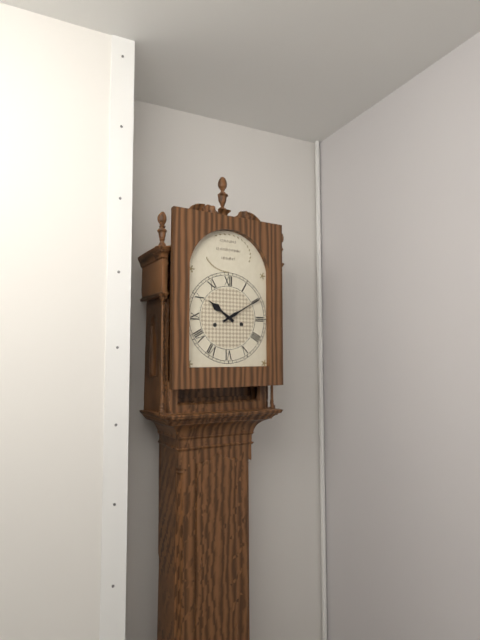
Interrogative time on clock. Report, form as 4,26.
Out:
10,10
